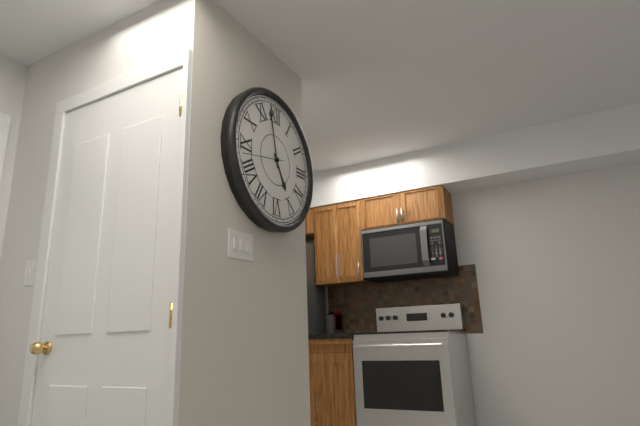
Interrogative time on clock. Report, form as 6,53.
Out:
4,58
